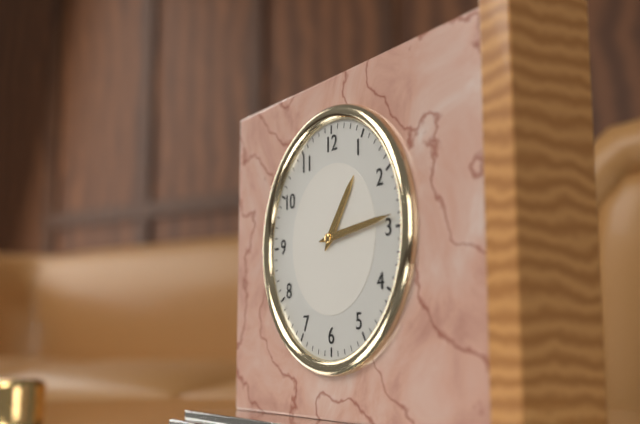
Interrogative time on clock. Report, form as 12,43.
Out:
1,14
